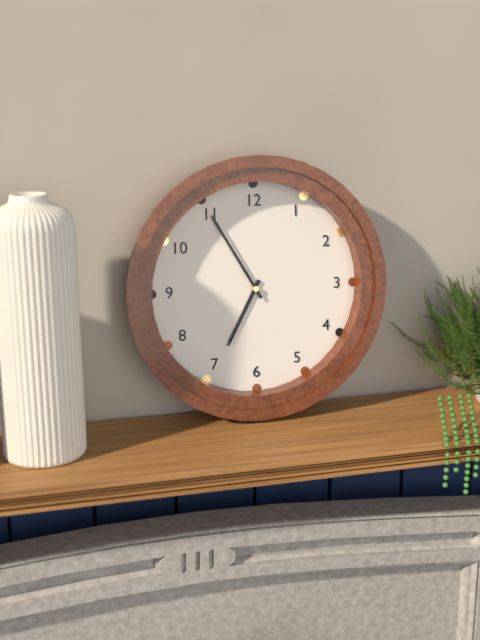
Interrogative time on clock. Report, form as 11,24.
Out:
6,55
